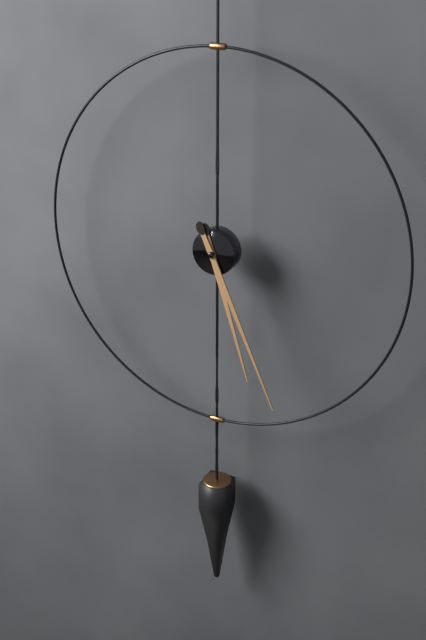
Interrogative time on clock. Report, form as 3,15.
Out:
5,26
